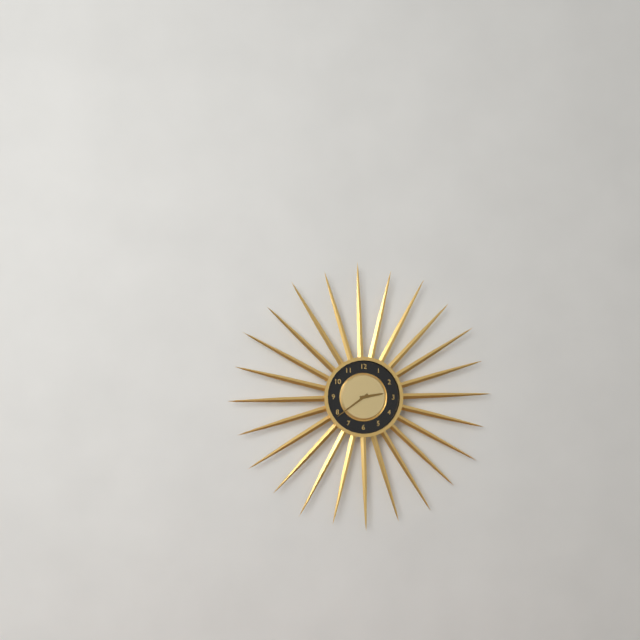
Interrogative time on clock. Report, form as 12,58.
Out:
2,39
